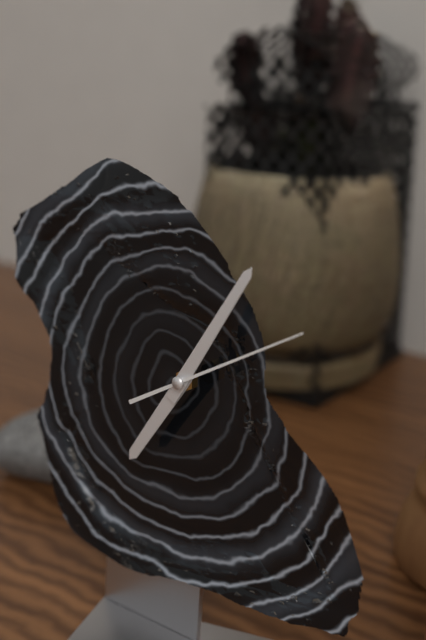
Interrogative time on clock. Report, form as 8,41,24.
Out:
7,05,10
